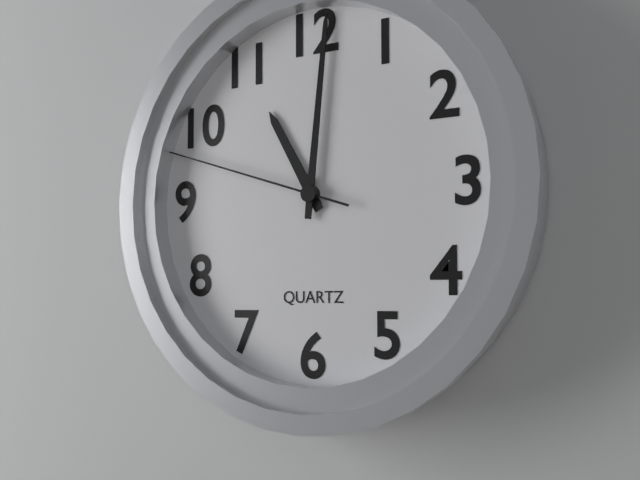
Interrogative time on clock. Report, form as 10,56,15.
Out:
11,01,48
